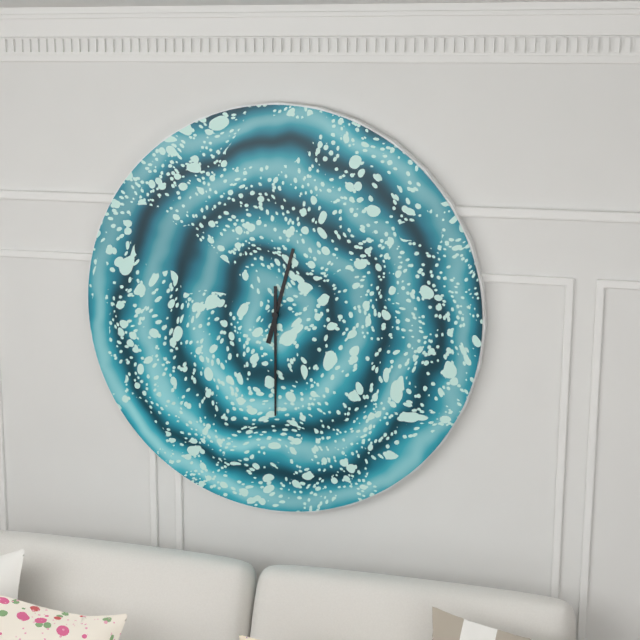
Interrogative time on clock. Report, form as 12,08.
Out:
12,30
